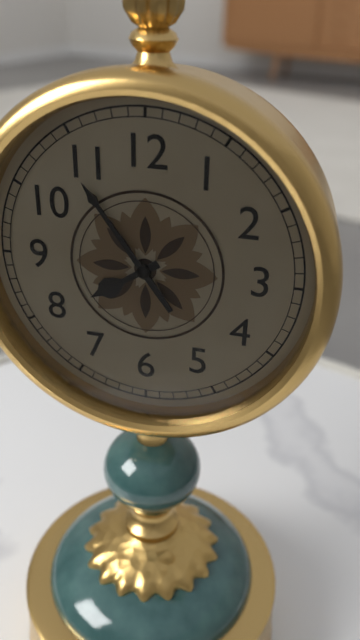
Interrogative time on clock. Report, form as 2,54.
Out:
7,54
